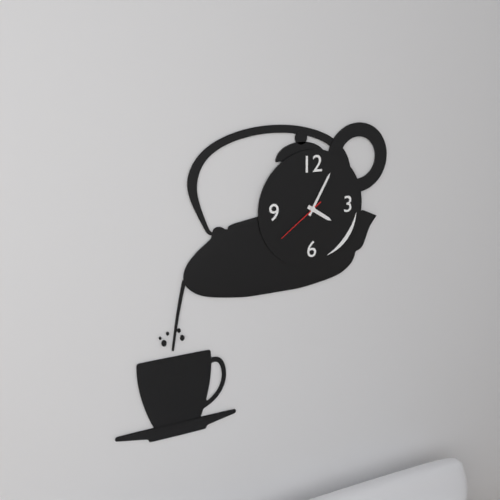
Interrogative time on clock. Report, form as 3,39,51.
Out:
4,05,39
